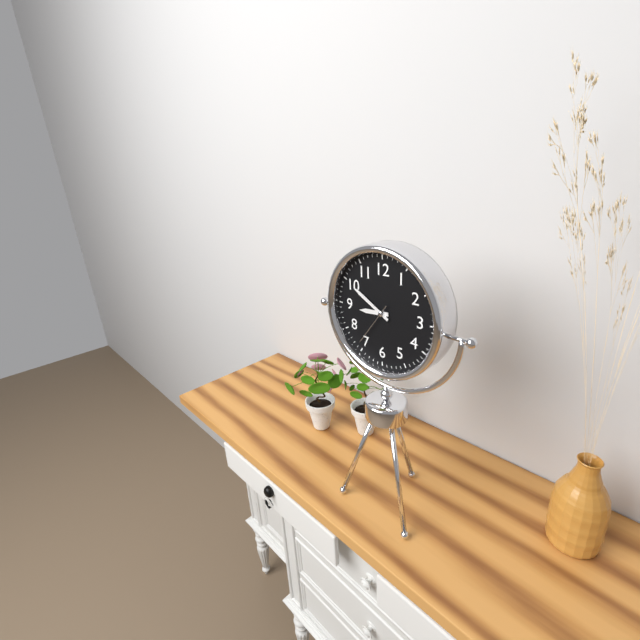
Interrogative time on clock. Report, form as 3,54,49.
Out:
8,50,36
